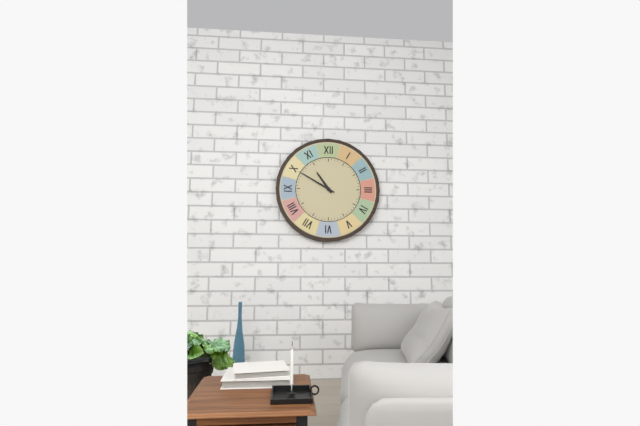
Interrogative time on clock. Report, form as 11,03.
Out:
10,50
